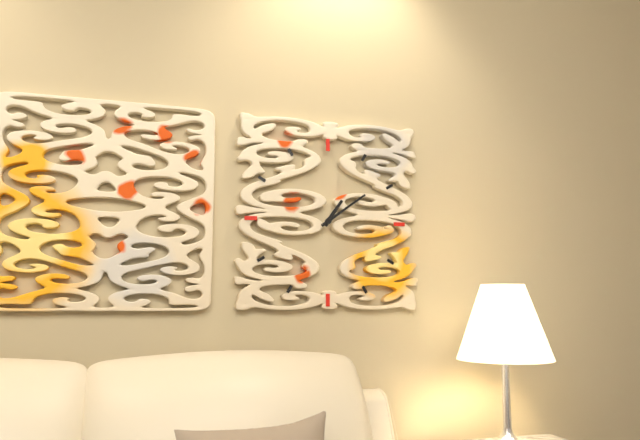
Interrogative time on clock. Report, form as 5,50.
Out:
1,09
